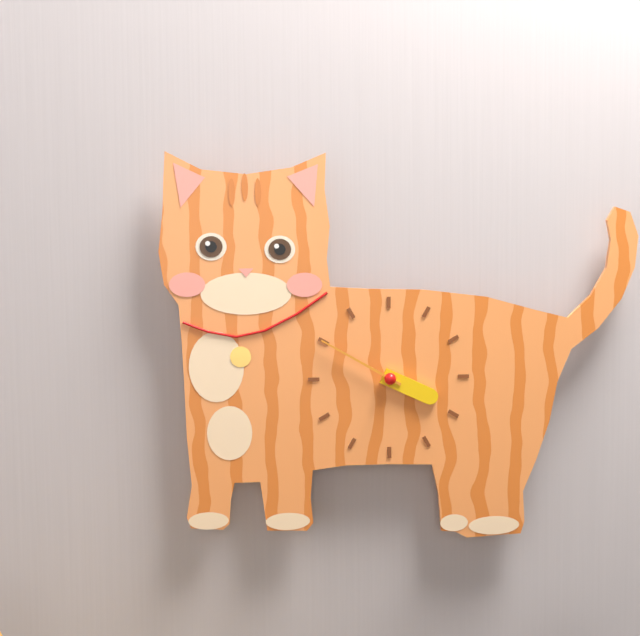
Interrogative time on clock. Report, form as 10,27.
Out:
3,50
